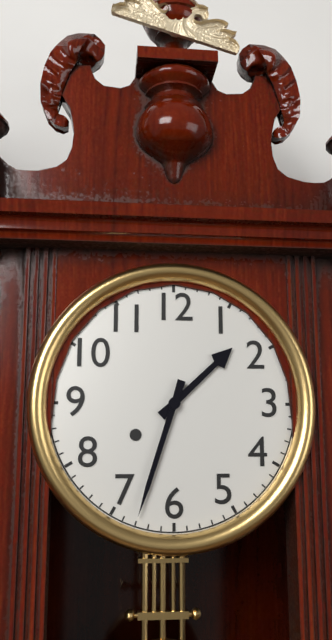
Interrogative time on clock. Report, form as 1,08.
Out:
1,33
